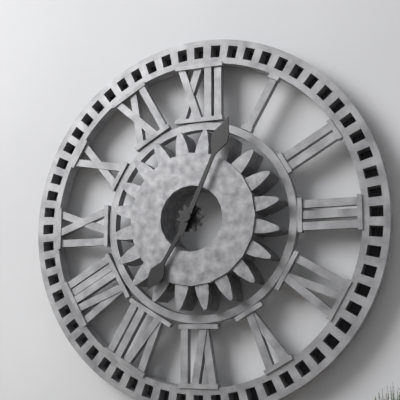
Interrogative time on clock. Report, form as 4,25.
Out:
7,04
